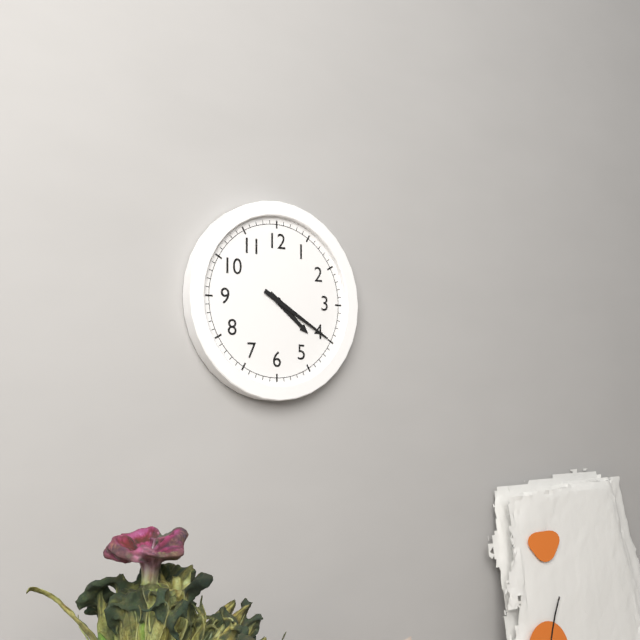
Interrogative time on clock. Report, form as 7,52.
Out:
4,20
